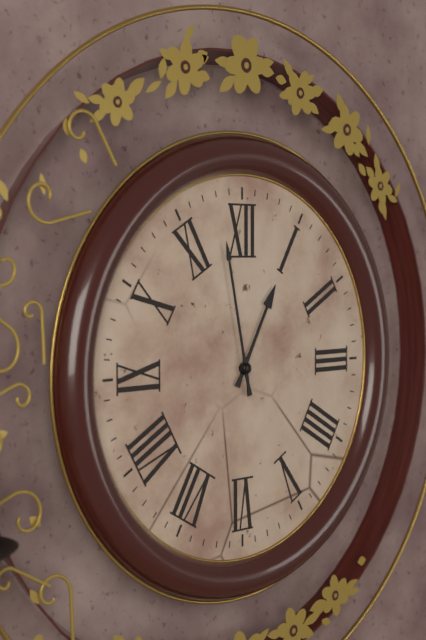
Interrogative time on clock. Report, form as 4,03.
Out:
12,58
